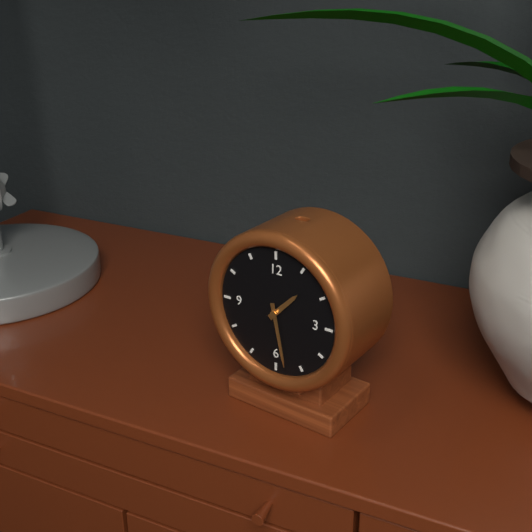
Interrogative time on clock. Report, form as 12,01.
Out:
1,28
